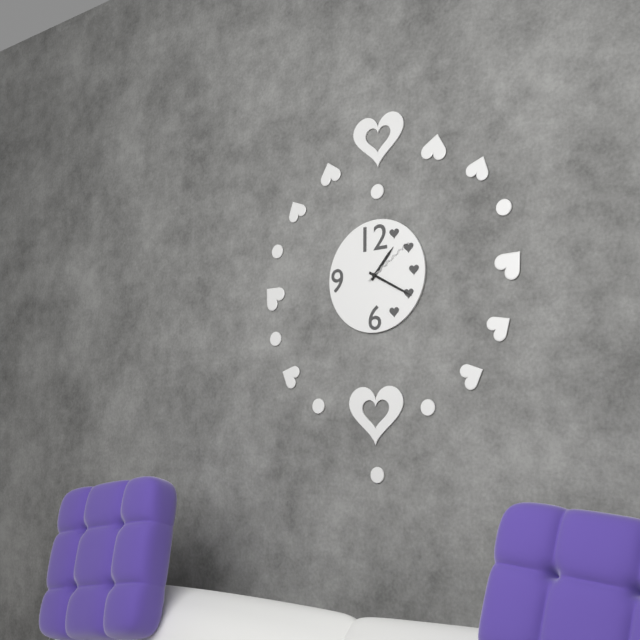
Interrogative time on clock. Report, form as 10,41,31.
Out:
1,20,09
